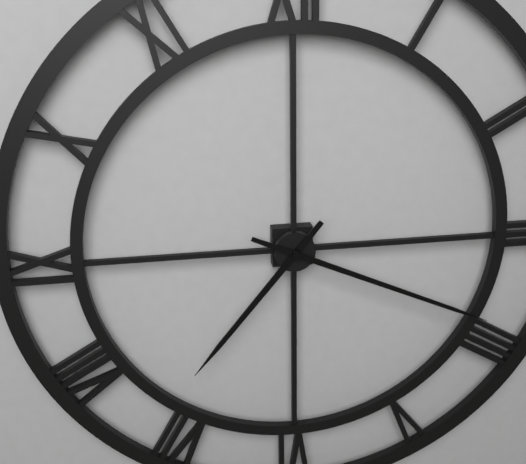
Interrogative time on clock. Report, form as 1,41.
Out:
7,19
